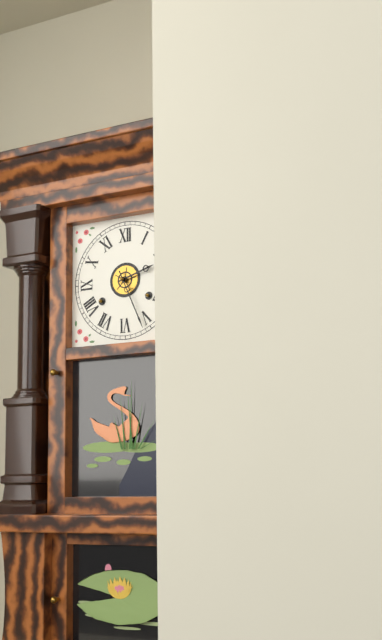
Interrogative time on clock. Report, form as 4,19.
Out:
2,26
